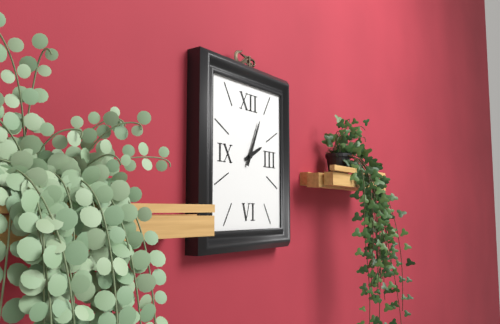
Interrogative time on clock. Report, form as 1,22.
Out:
2,04
